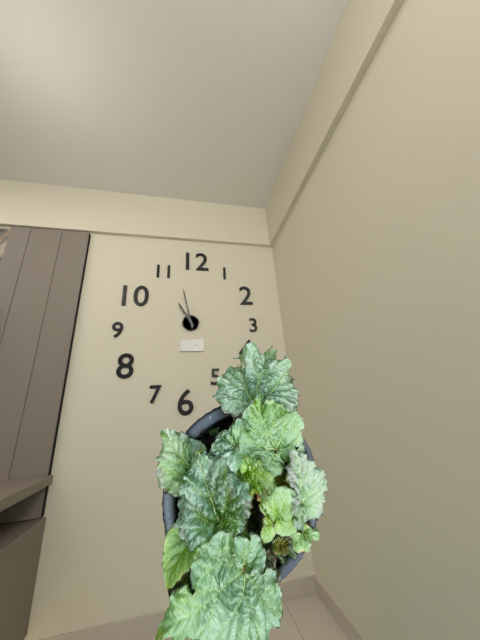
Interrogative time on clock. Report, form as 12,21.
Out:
10,58
